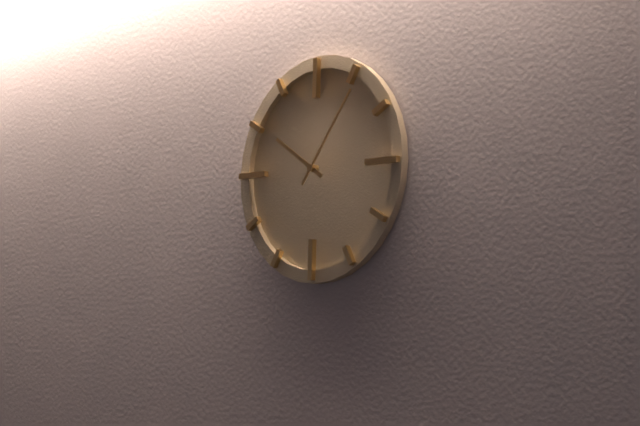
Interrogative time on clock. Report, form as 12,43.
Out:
10,06
